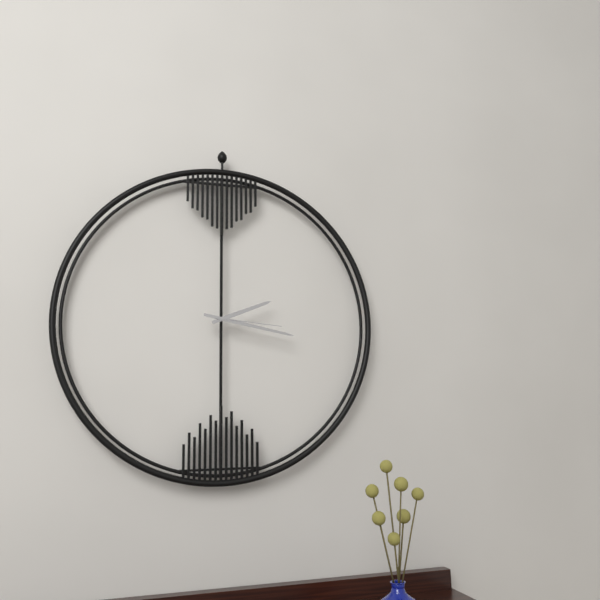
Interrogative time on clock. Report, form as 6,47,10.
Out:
2,17,16
